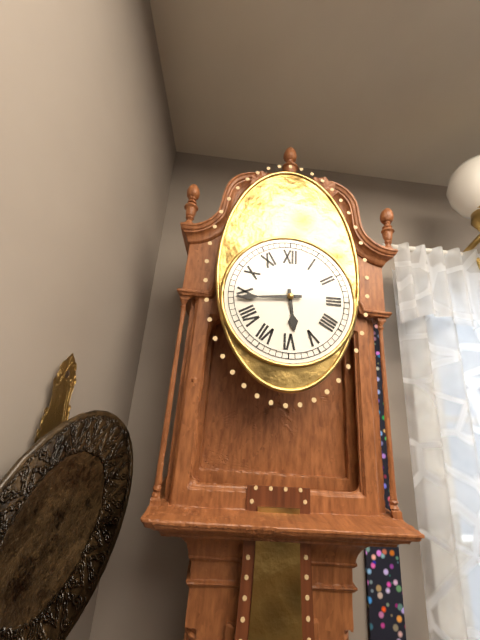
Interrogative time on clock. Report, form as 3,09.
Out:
5,44
